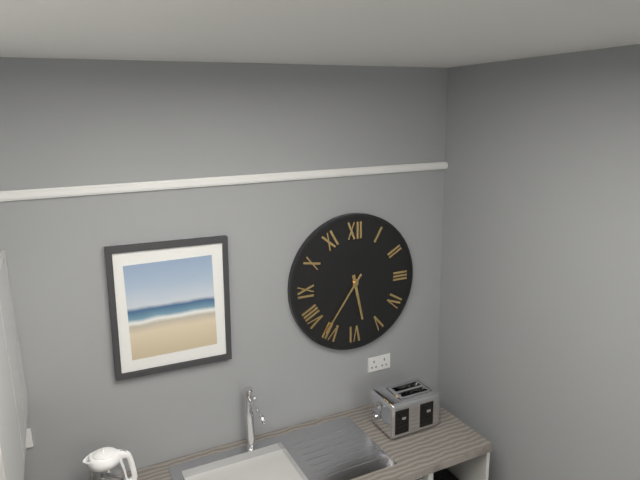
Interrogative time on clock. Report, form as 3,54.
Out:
5,36
